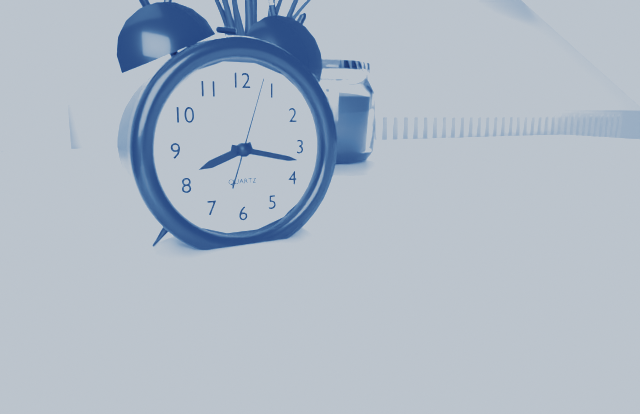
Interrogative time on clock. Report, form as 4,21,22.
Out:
8,17,03
